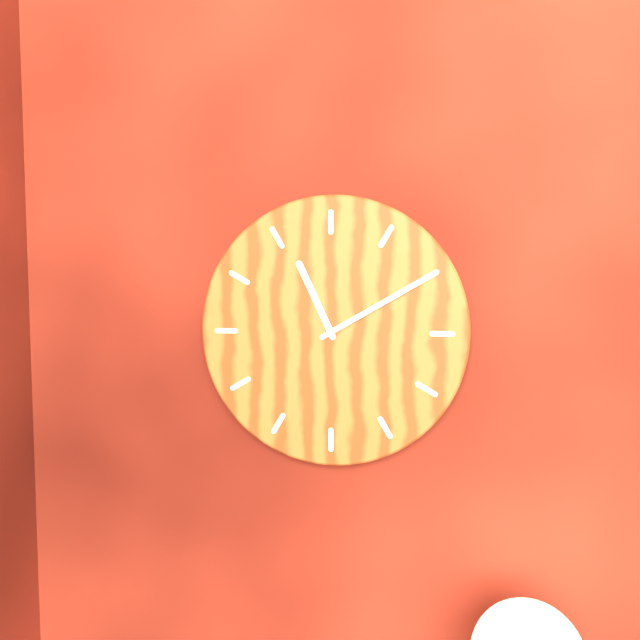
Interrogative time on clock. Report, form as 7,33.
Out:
11,10
